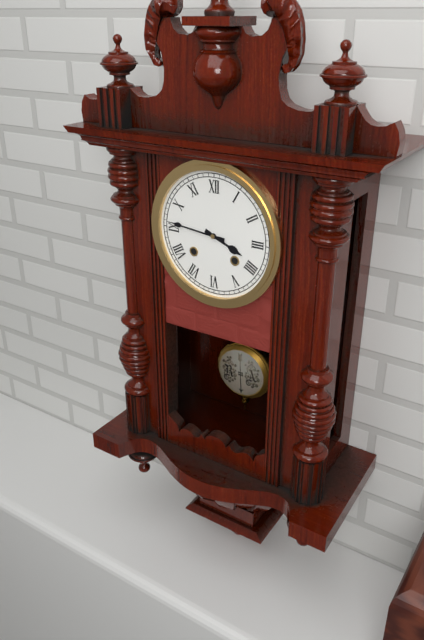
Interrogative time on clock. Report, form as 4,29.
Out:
3,46
